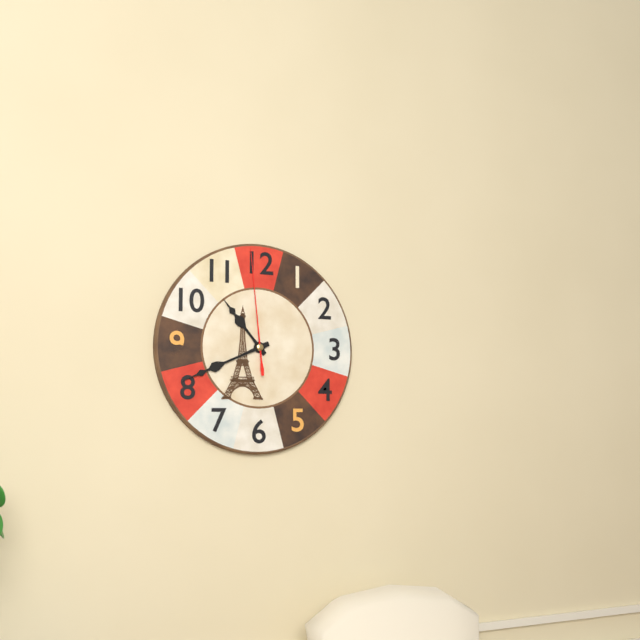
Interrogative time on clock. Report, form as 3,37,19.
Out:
10,41,59
